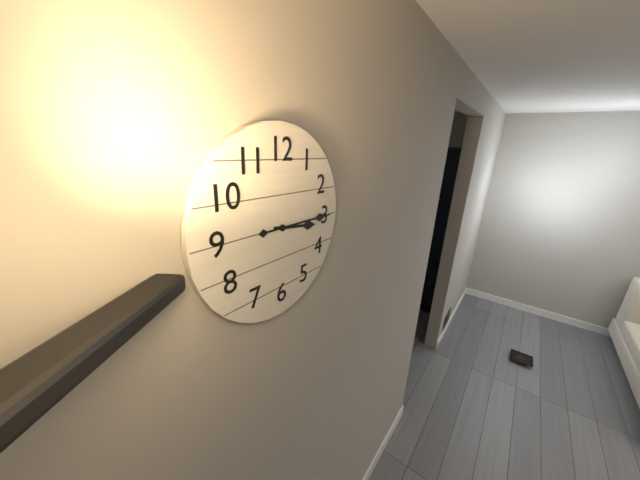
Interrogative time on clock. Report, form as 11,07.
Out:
3,15
